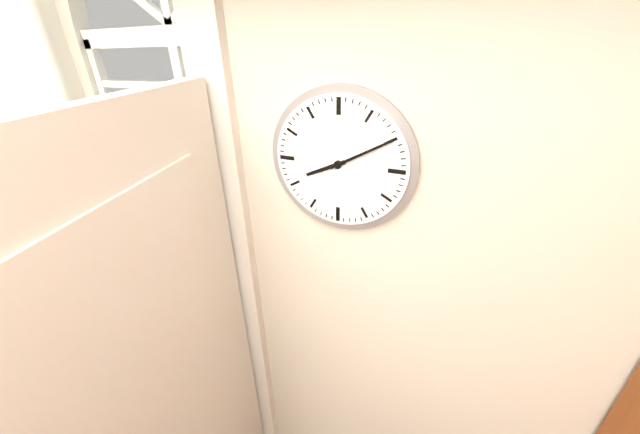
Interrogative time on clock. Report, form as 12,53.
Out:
8,10
